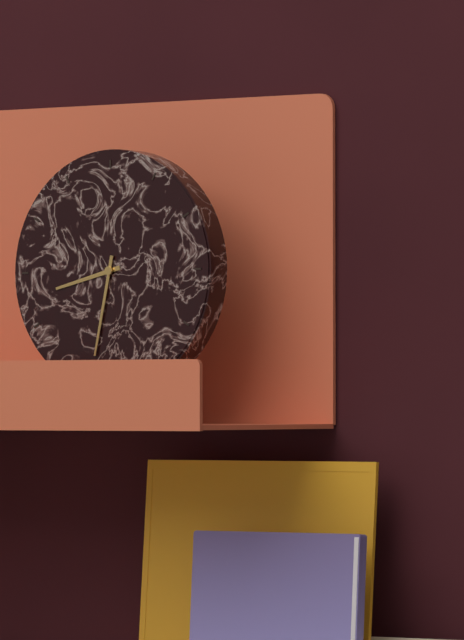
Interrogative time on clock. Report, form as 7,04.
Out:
8,32
